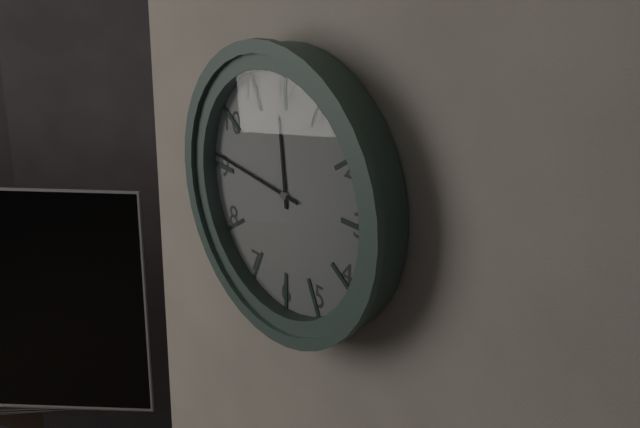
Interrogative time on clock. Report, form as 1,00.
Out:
11,46
